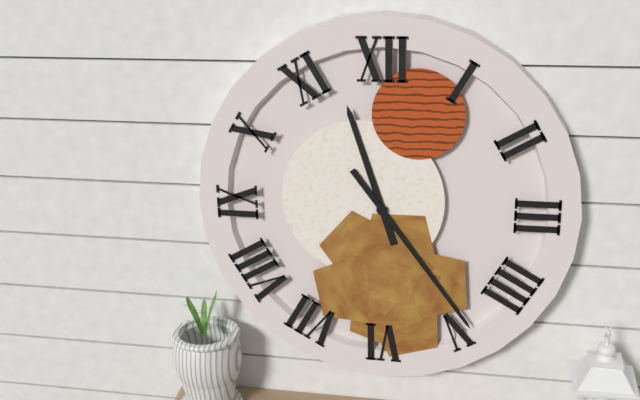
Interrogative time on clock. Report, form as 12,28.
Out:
11,24
